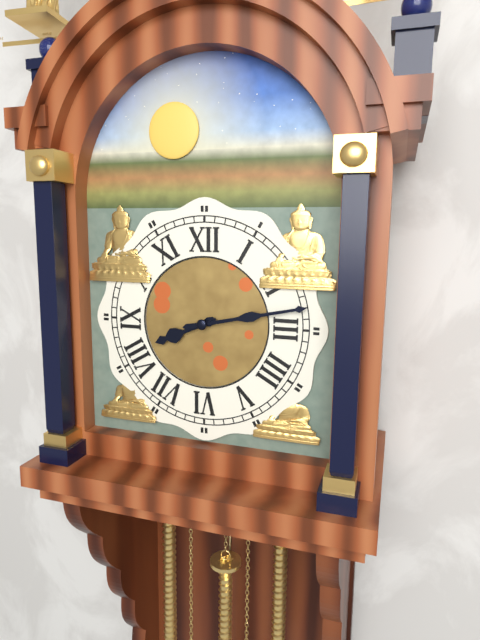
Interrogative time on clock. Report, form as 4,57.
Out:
8,13
